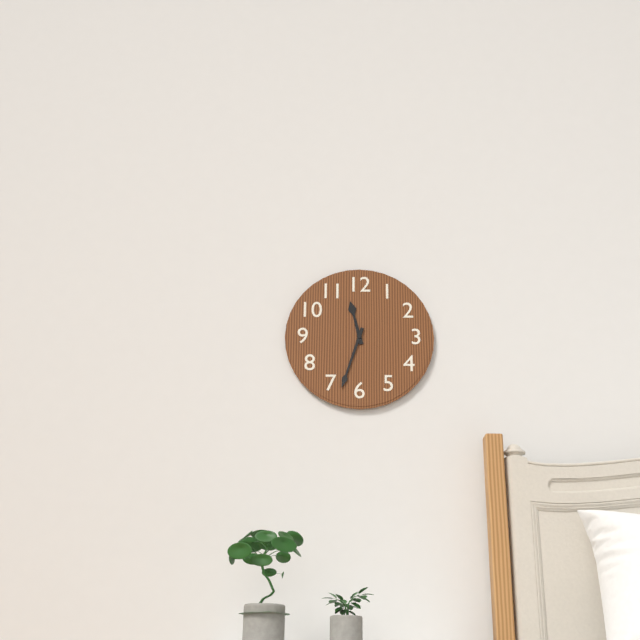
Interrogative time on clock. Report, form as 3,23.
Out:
11,33
